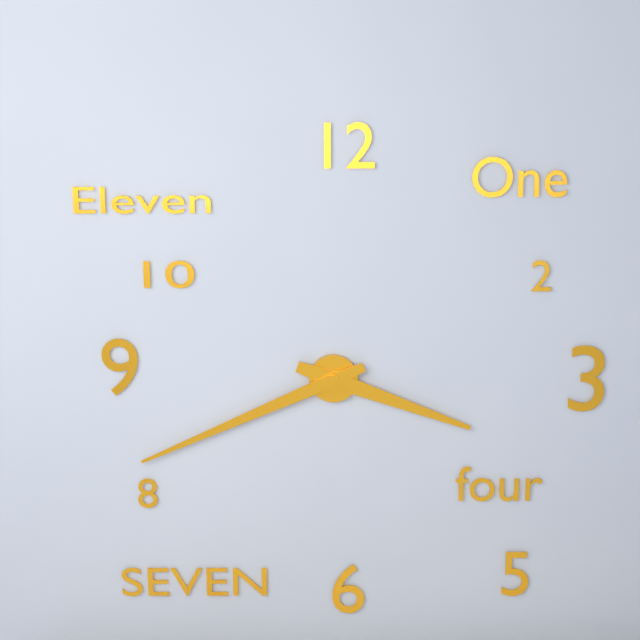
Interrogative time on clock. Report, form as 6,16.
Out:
3,41
